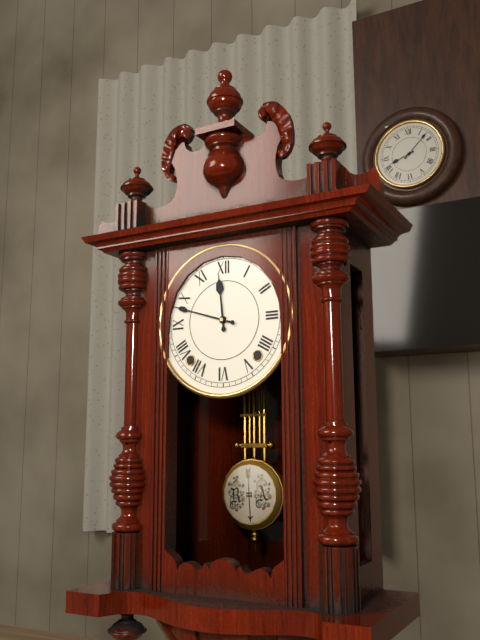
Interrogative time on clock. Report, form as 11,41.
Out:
11,48
